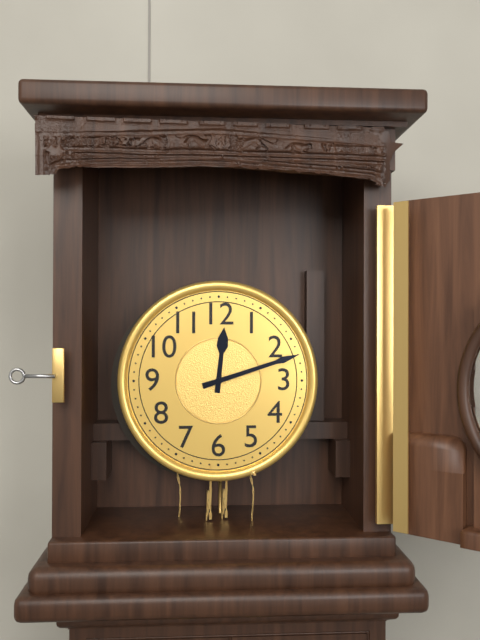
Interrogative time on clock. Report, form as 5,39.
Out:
12,12
